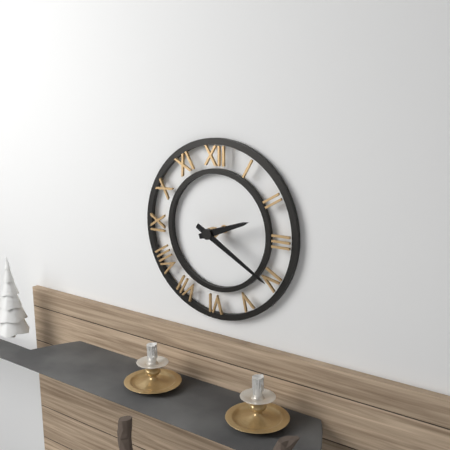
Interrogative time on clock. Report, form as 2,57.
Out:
2,20
